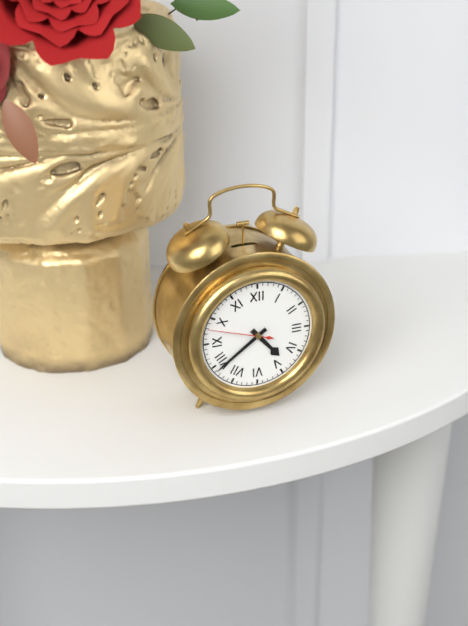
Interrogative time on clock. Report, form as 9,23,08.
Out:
4,39,48
